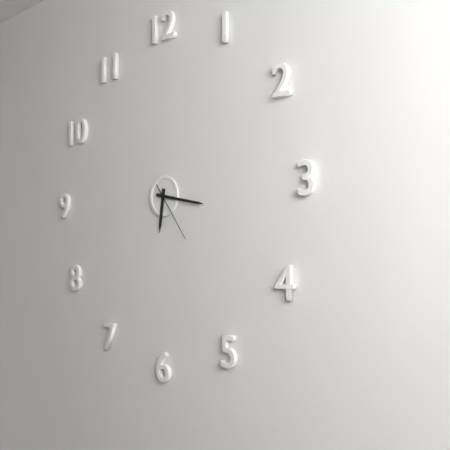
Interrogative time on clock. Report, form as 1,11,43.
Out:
6,17,24
